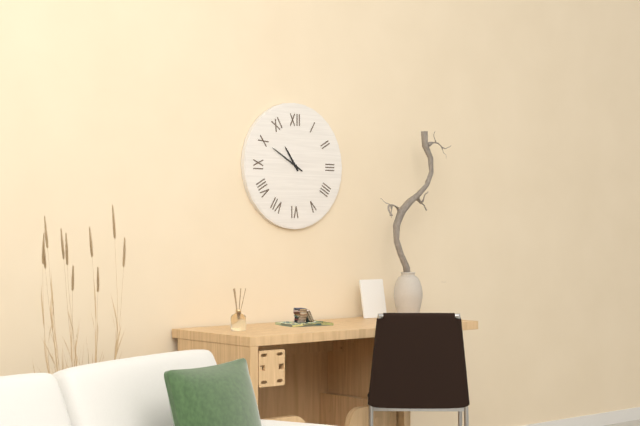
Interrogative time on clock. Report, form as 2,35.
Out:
10,50
